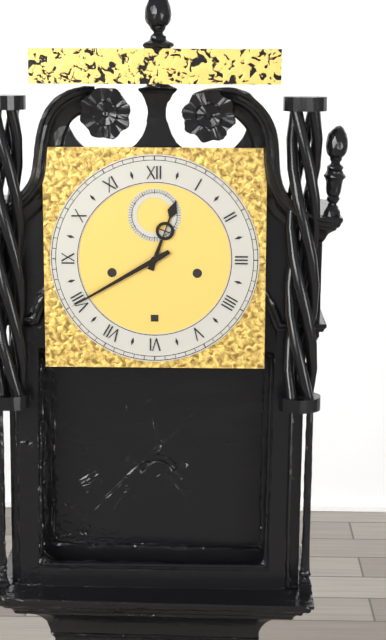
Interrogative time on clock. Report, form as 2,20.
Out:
12,40
